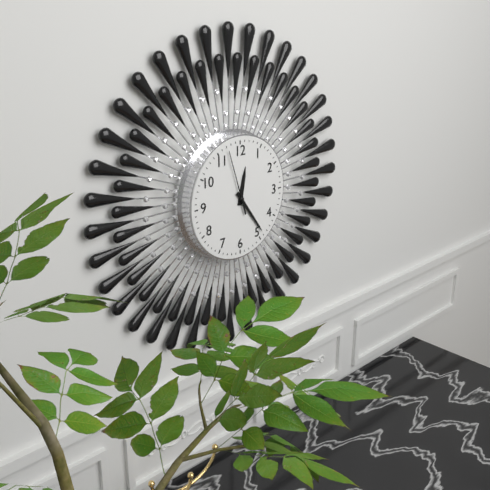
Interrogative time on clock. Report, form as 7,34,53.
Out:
12,24,57
